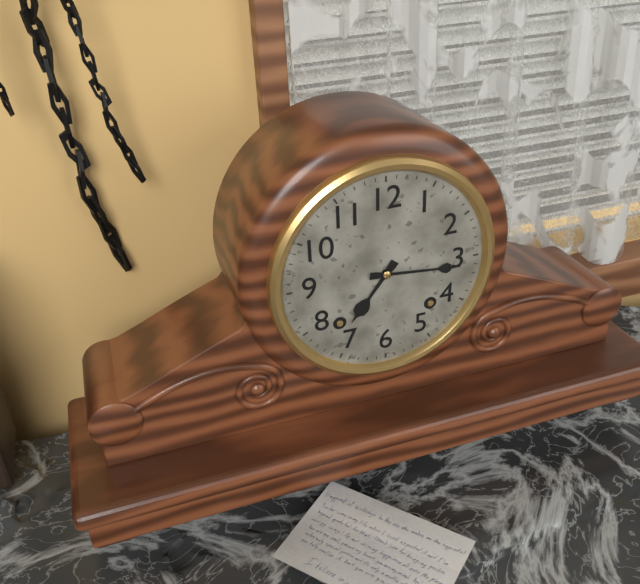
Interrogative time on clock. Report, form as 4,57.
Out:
7,16
